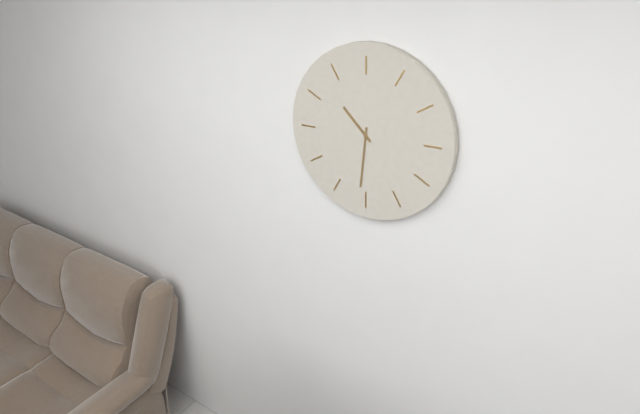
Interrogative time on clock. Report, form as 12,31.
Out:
10,31
